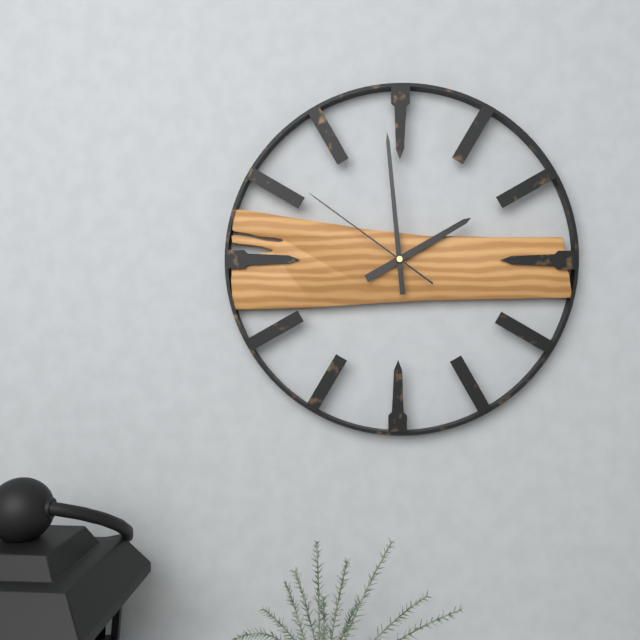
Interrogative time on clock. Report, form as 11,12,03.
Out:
1,59,51
